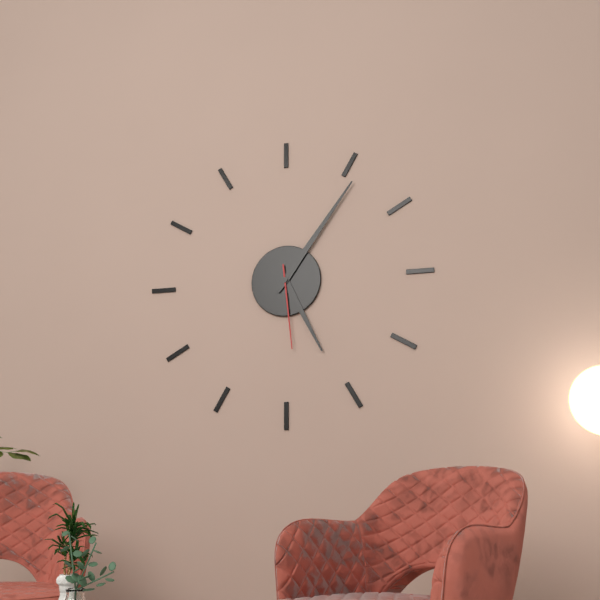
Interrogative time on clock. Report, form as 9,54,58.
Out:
5,06,29
